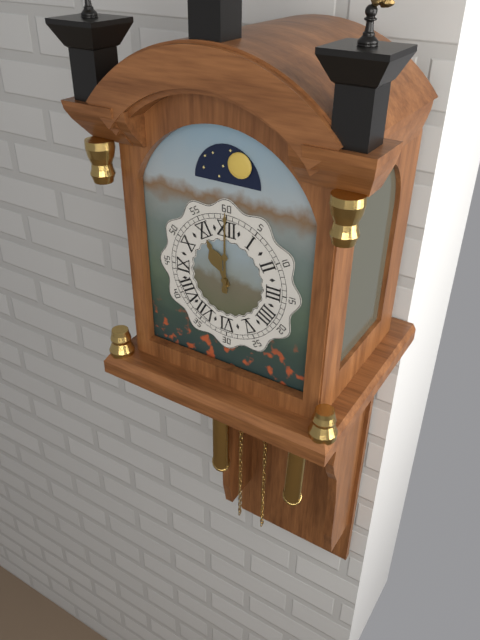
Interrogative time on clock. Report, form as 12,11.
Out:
11,00
